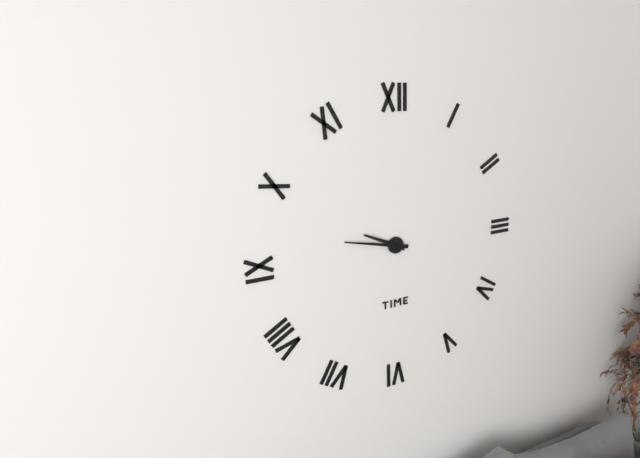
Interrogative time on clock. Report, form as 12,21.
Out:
9,47
